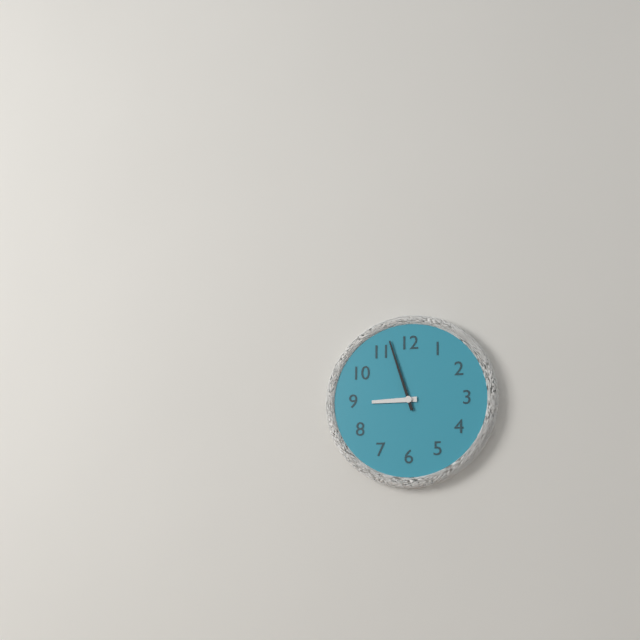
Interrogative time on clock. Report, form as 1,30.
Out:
8,57
